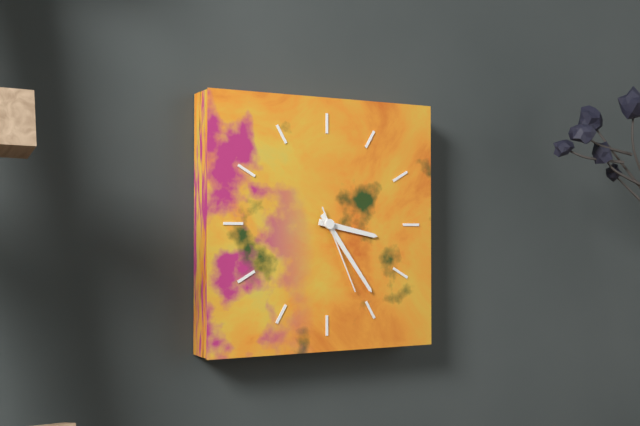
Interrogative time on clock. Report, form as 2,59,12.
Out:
3,24,26
